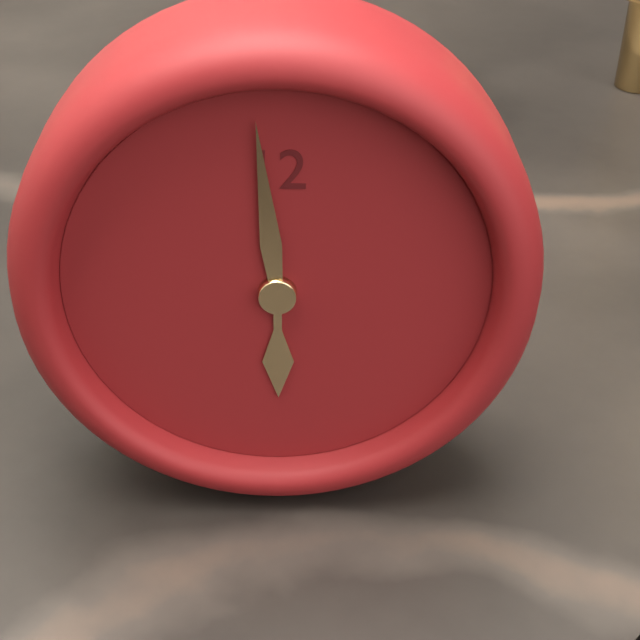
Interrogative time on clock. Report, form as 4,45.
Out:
5,59
